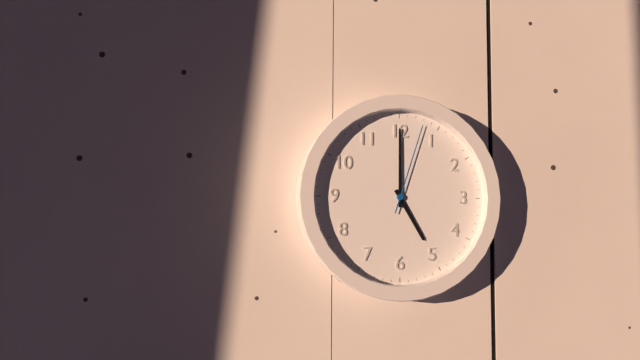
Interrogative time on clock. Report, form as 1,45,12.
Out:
5,00,03
